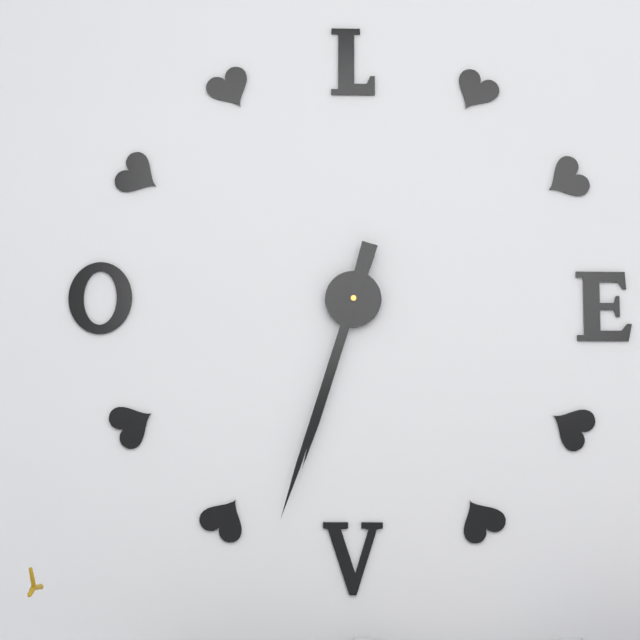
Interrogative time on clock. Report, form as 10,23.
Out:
6,33
